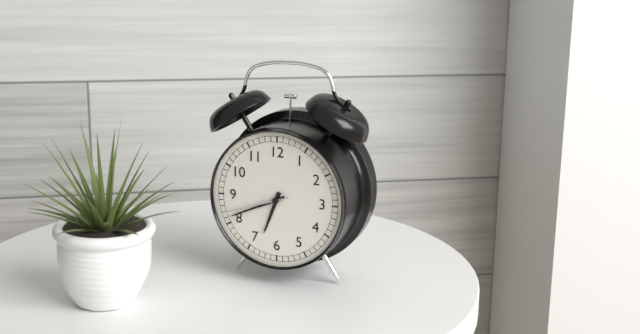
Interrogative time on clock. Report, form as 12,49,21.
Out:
6,41,42
